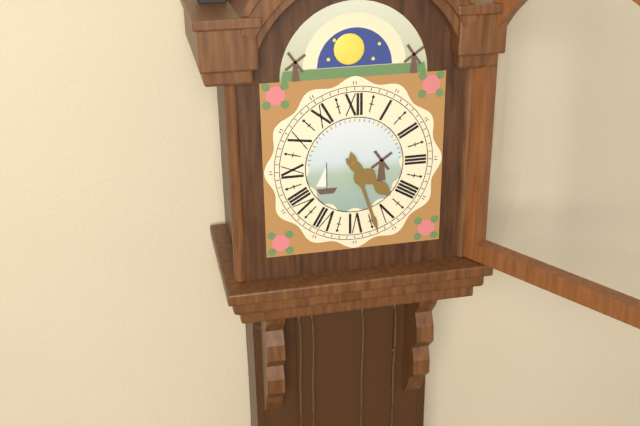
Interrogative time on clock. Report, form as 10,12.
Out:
4,27
